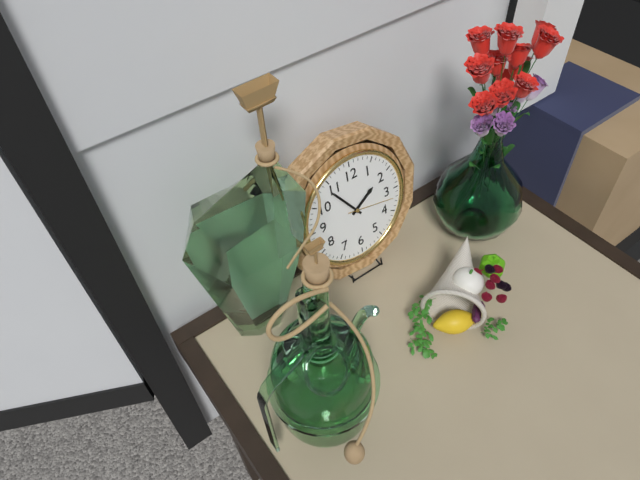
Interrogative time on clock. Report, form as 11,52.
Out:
1,54
